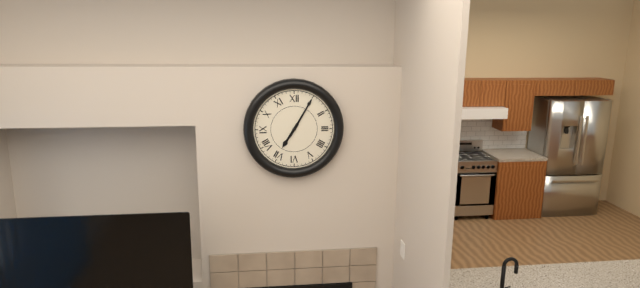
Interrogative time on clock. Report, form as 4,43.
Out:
7,05
